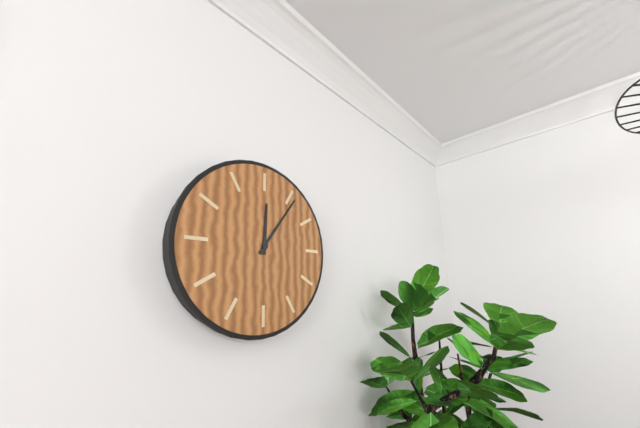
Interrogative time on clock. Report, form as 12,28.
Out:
12,06
